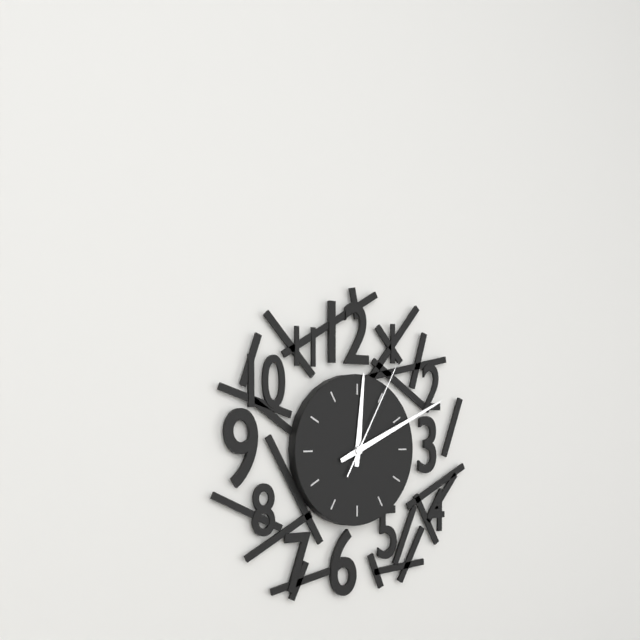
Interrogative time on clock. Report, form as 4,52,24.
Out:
12,11,05
